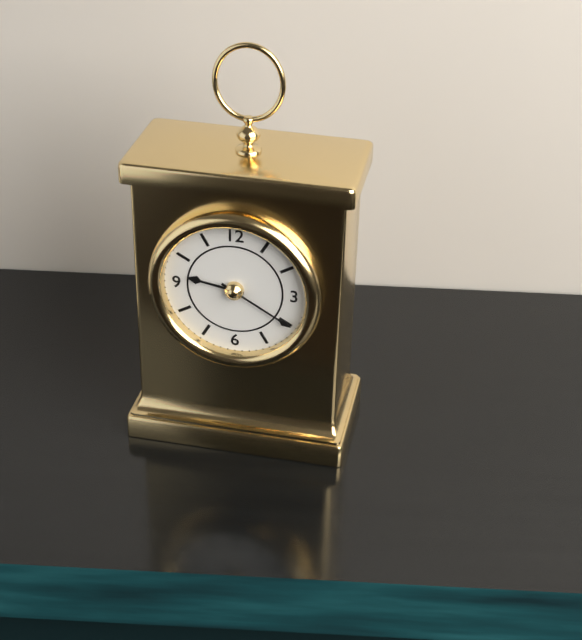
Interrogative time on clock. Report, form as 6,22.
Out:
9,20
